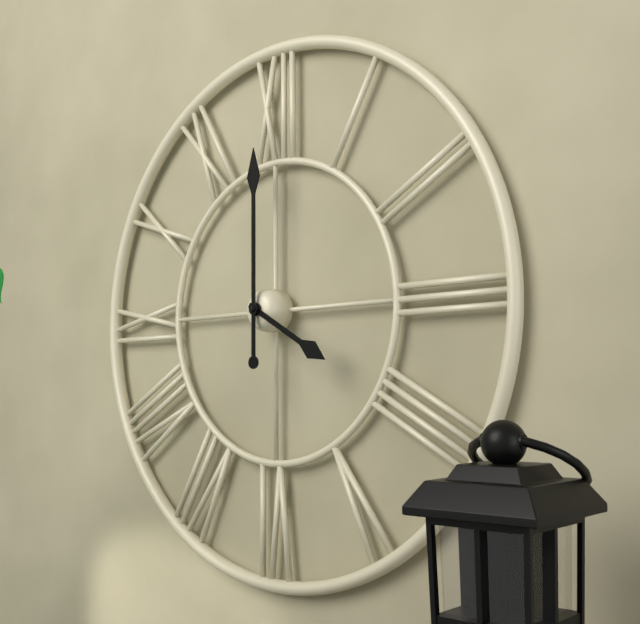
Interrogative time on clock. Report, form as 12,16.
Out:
4,00
